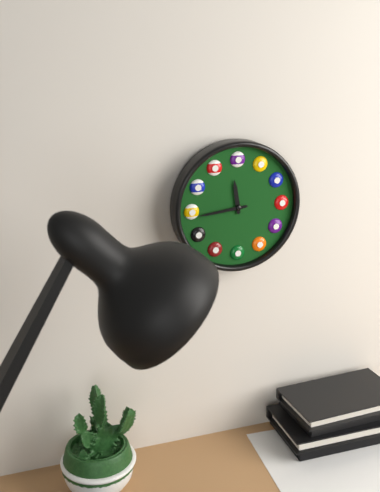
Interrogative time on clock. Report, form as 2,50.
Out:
11,44
